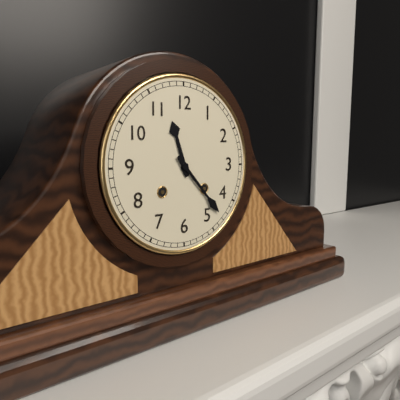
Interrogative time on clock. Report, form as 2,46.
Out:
11,23
